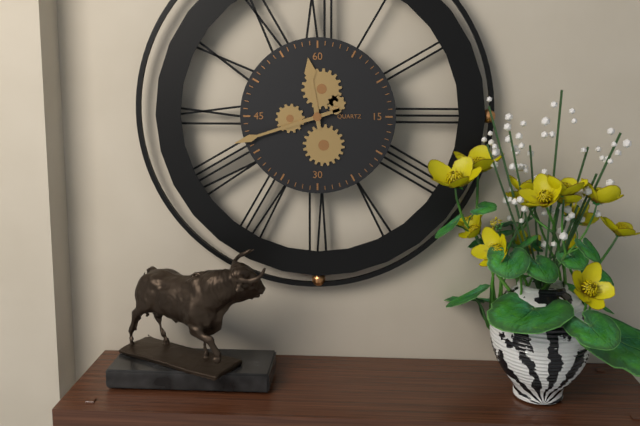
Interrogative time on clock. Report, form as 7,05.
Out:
11,42
